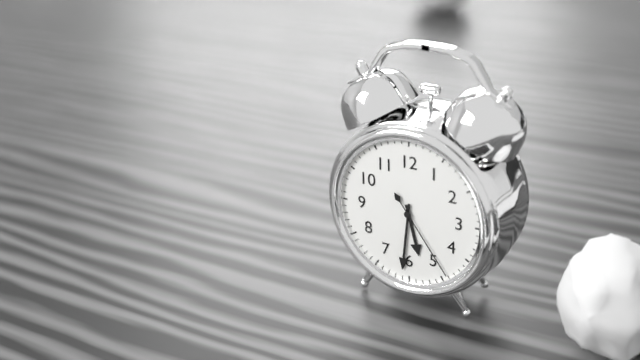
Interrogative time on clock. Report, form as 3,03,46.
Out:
5,31,24
